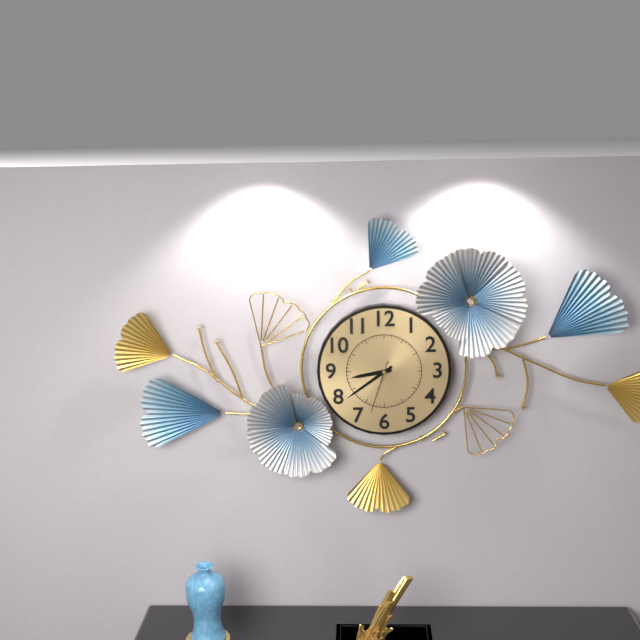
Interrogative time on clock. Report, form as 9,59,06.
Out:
8,39,33
